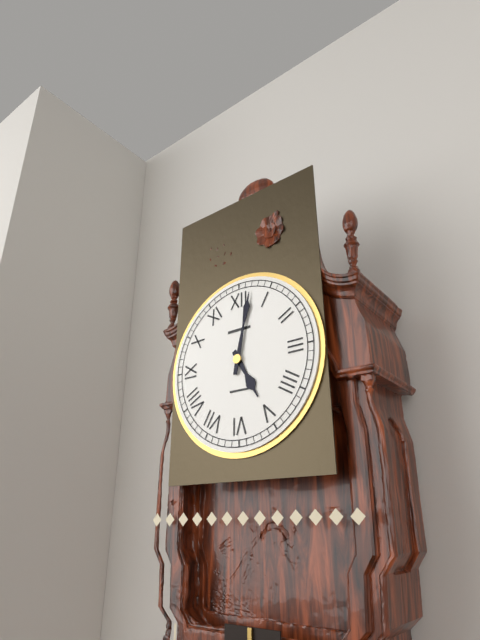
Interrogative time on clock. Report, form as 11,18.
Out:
5,02
